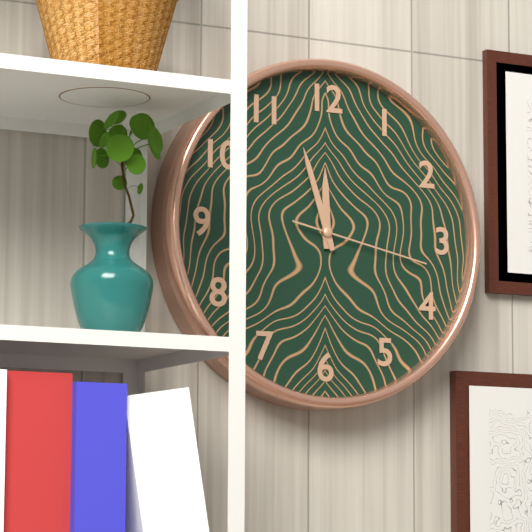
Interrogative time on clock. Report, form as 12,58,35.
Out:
11,57,17
